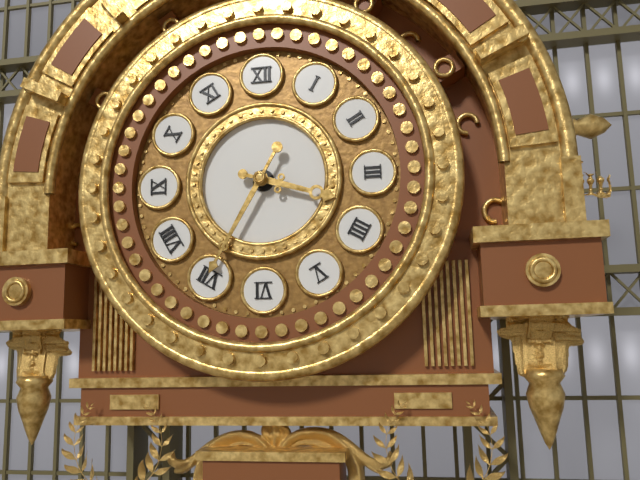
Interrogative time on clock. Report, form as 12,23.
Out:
3,35
